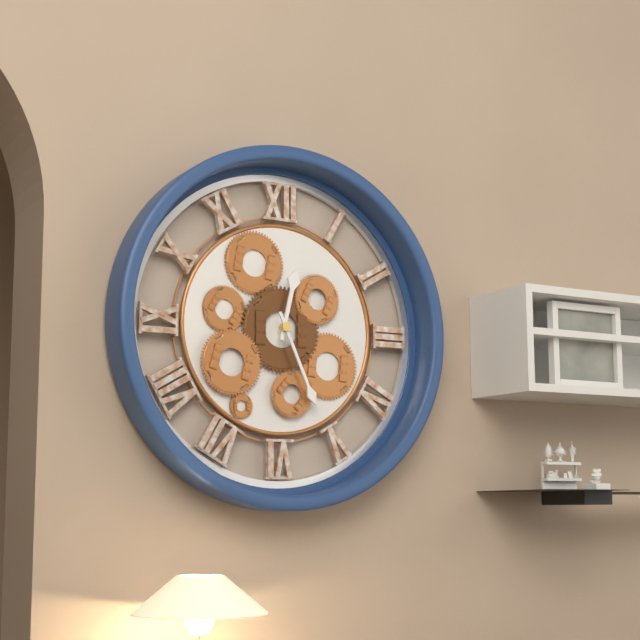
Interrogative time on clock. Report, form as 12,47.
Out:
12,26
